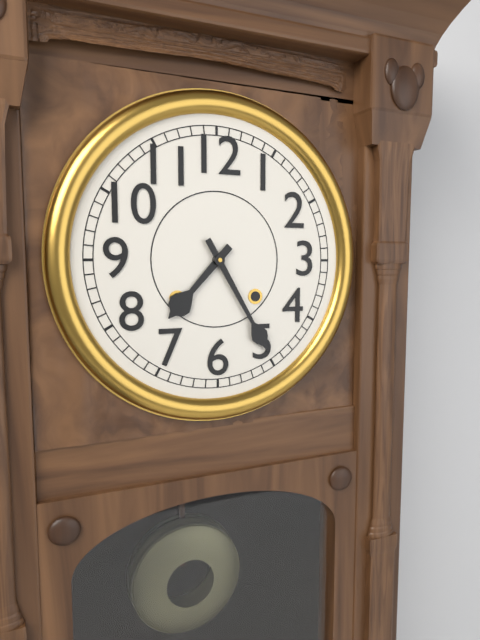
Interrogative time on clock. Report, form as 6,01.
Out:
7,25
